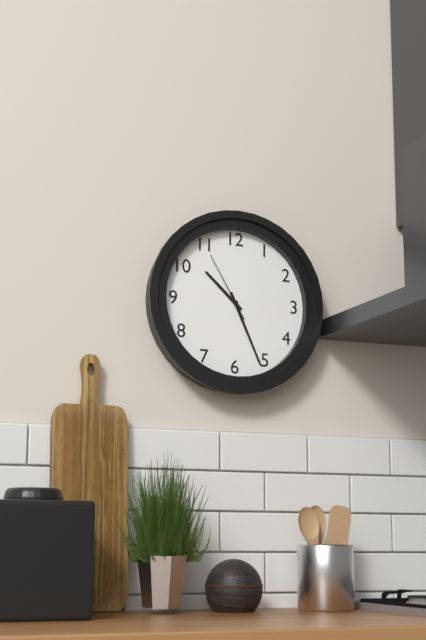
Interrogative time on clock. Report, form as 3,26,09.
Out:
10,26,55
